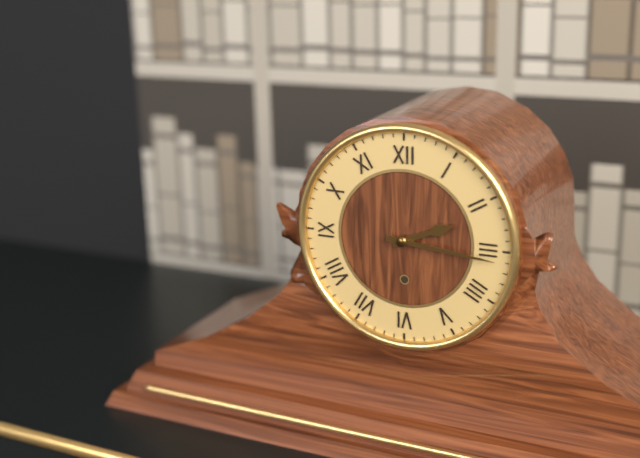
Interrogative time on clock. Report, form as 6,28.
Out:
2,16
